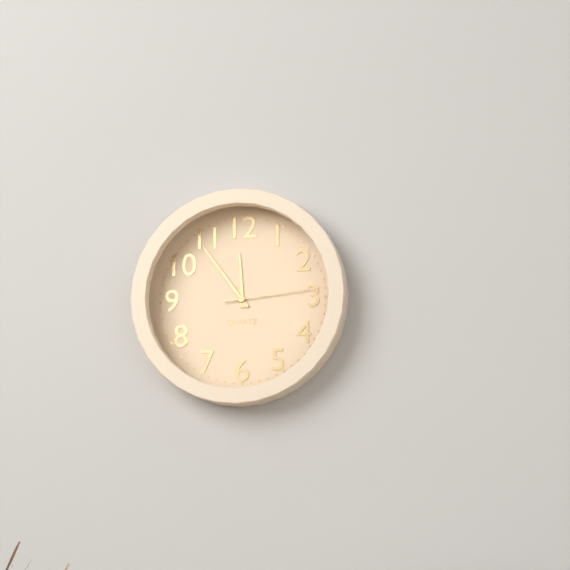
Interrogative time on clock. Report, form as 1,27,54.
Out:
11,54,14
